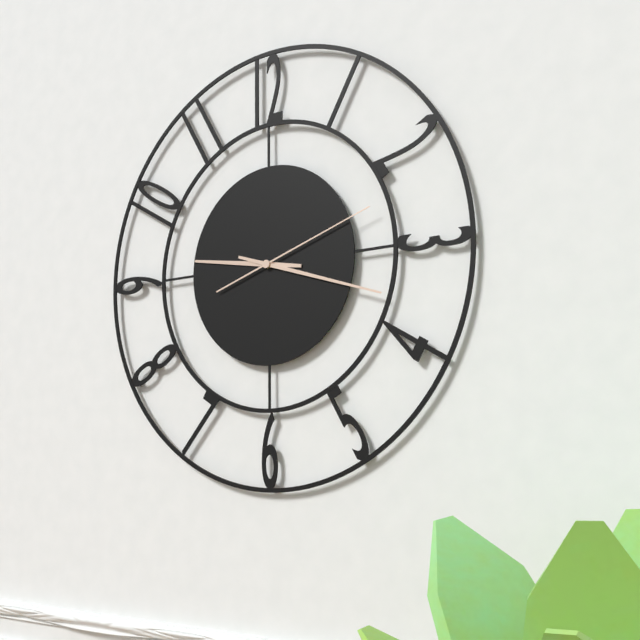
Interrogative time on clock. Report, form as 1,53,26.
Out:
9,18,12
